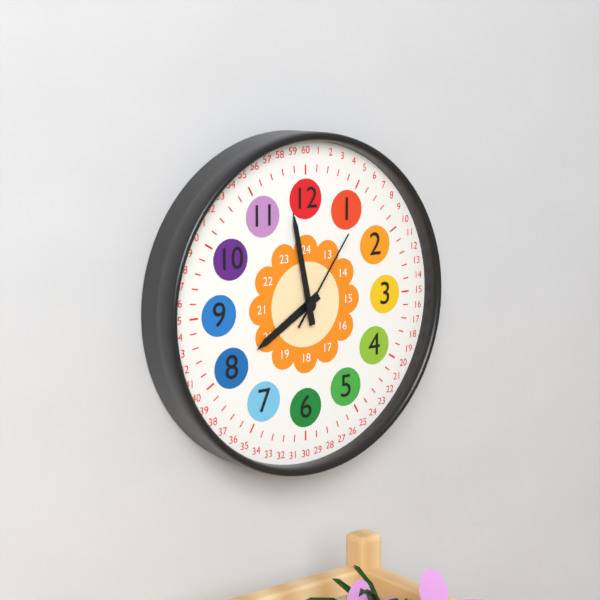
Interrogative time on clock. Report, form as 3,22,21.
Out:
7,58,06
